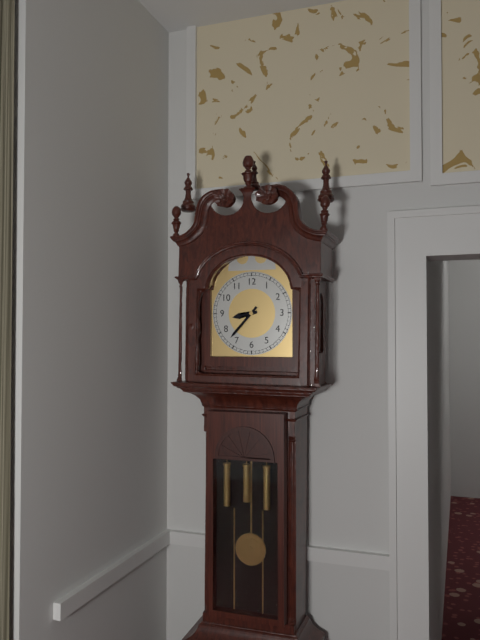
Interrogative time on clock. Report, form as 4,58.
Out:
8,37
